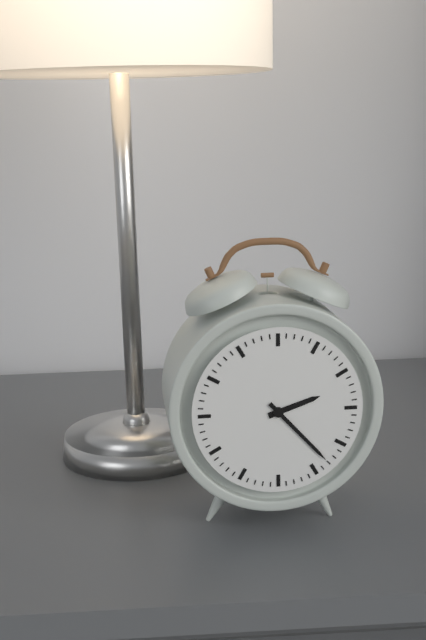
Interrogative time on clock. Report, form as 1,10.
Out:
2,23
